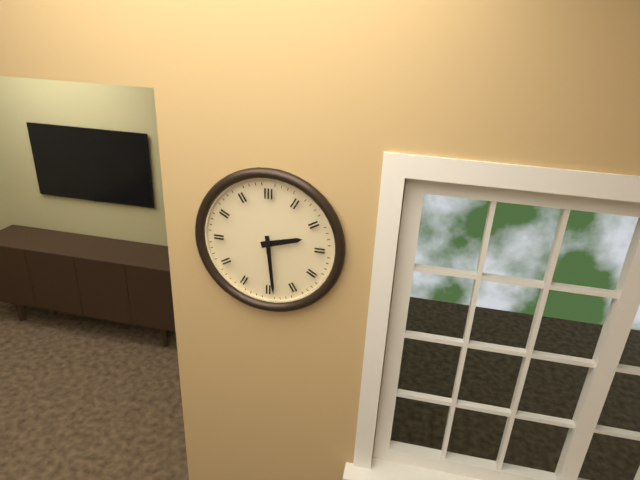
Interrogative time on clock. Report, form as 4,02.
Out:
2,29
